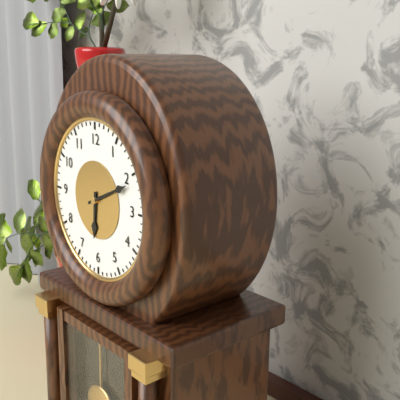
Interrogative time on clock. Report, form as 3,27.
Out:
6,11
